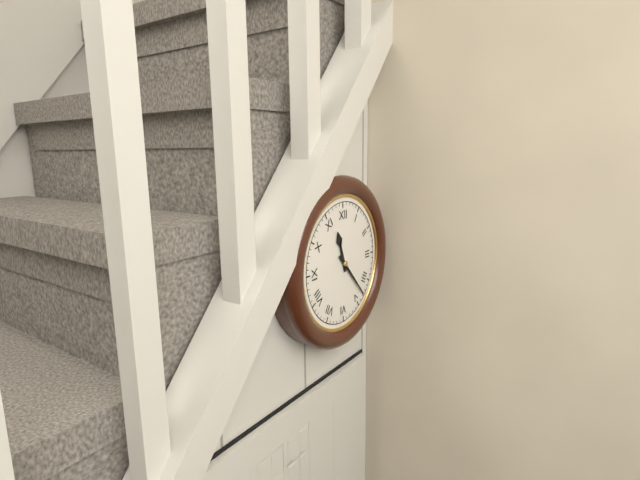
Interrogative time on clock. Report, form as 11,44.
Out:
11,23
